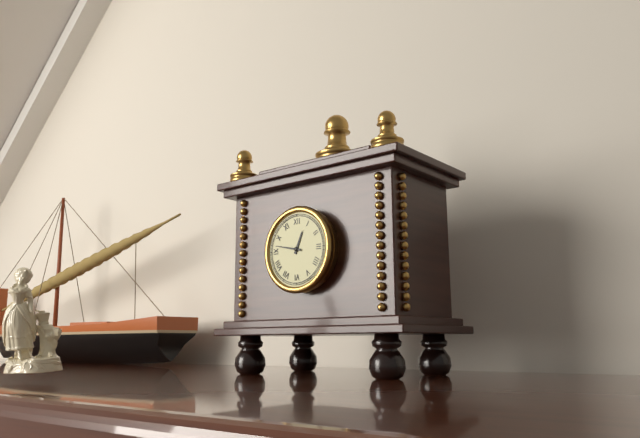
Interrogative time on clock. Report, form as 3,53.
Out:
12,47
